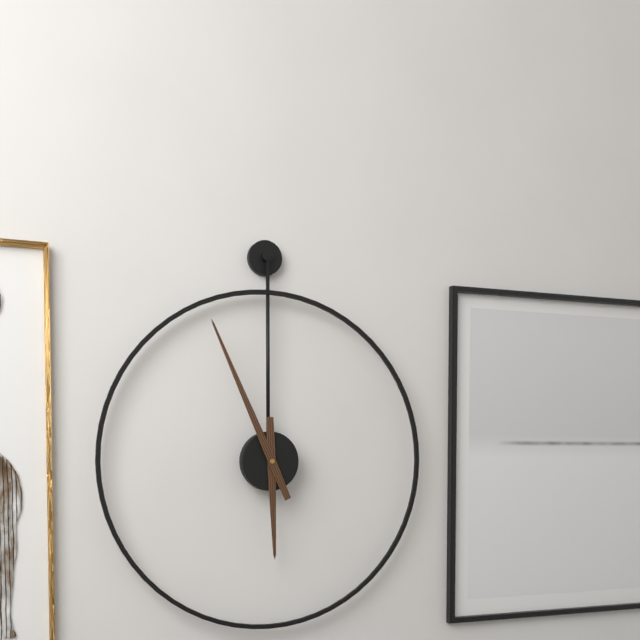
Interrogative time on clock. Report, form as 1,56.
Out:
5,56
